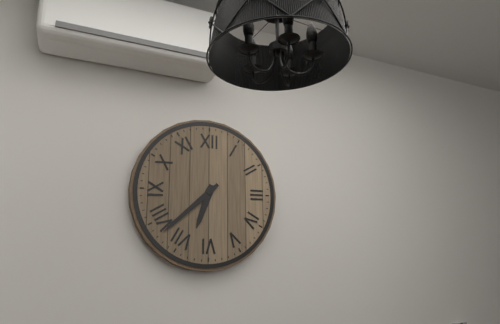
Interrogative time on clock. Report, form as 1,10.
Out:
6,38
